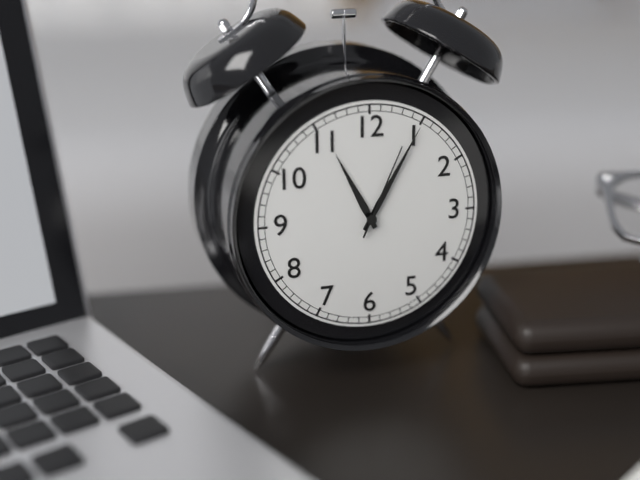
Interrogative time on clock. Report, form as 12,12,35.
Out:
11,05,04
